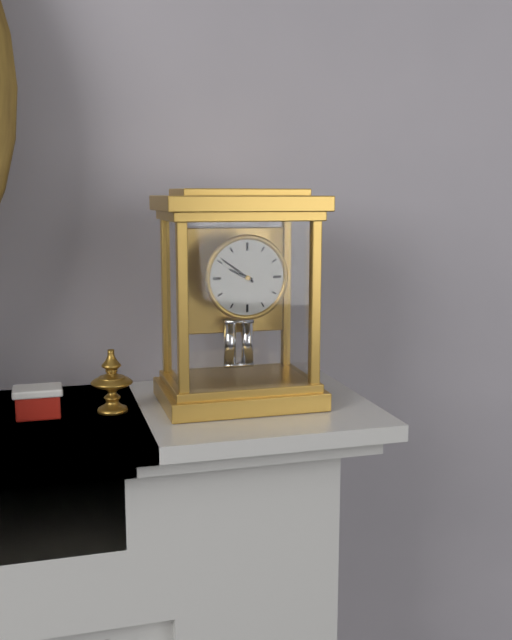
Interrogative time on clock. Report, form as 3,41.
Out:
9,51
